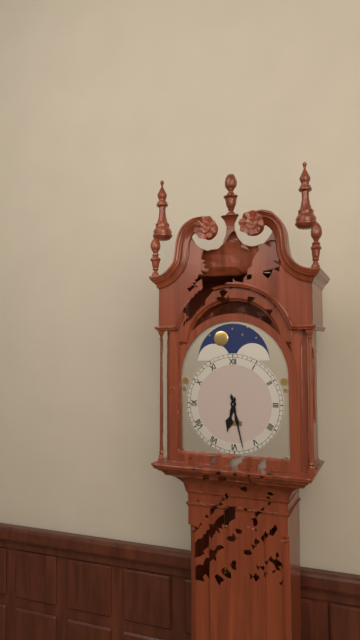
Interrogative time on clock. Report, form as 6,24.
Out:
6,28
